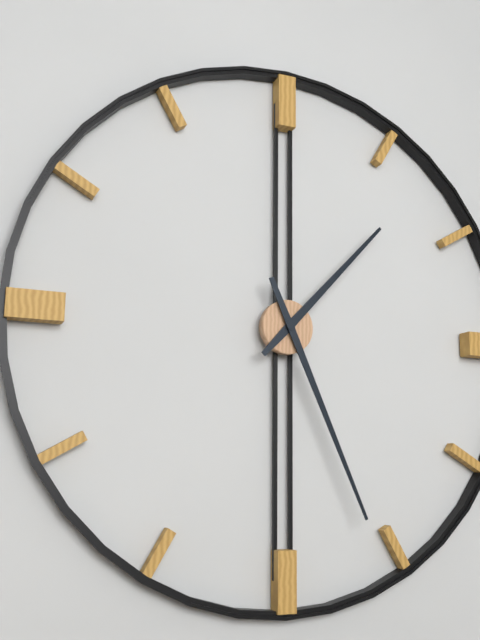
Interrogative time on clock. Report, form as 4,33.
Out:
1,26
